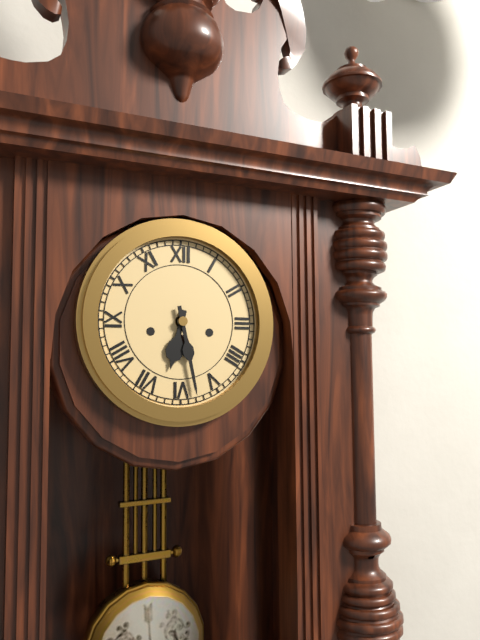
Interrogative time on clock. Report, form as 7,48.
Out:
6,28
